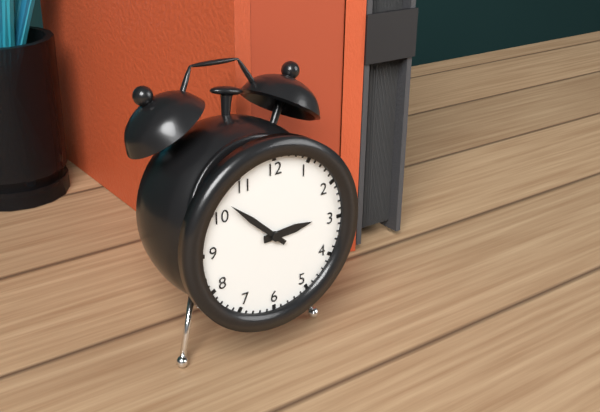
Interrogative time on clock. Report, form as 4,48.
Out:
2,52
